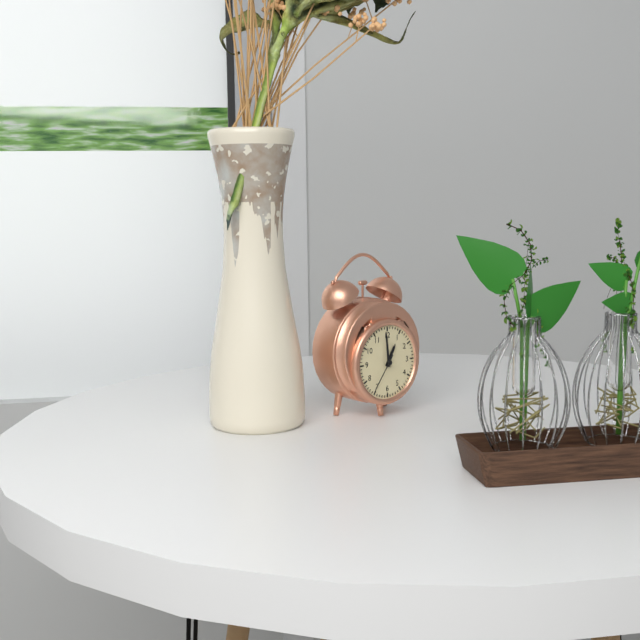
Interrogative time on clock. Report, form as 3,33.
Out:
12,59
